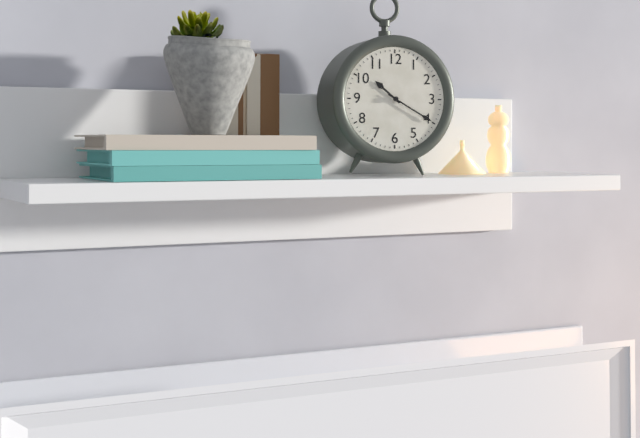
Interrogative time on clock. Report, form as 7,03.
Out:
10,20
